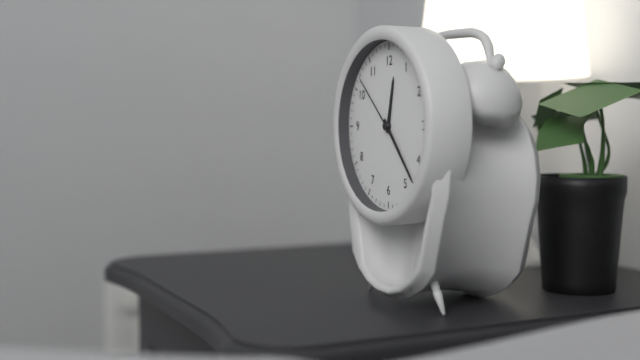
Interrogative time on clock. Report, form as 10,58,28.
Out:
12,23,52
